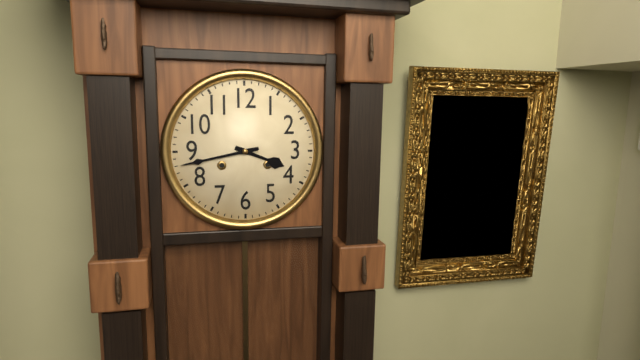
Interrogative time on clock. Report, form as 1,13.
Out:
3,43
